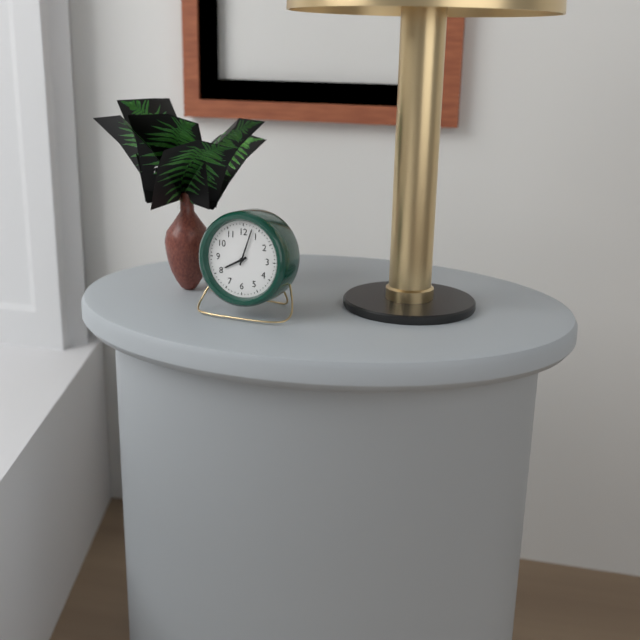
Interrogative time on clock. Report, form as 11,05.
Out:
8,03
